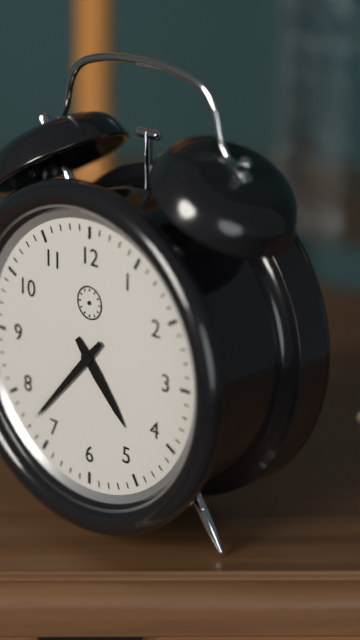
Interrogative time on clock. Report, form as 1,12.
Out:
4,37
